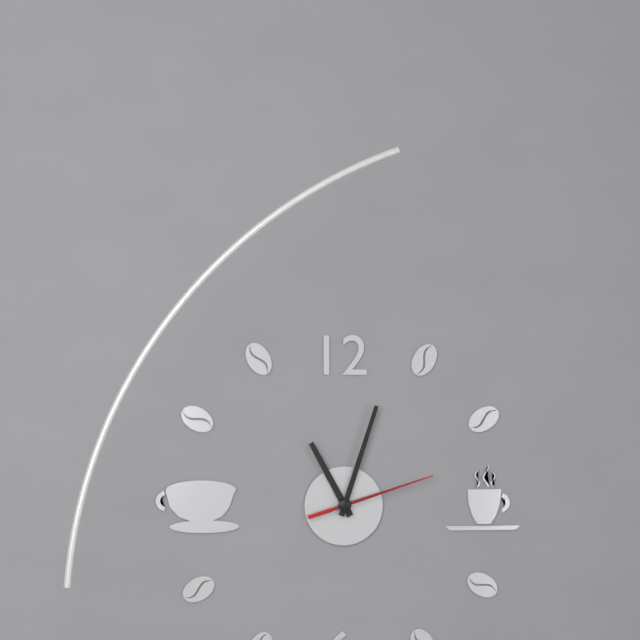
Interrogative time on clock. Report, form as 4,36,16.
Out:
11,03,12
